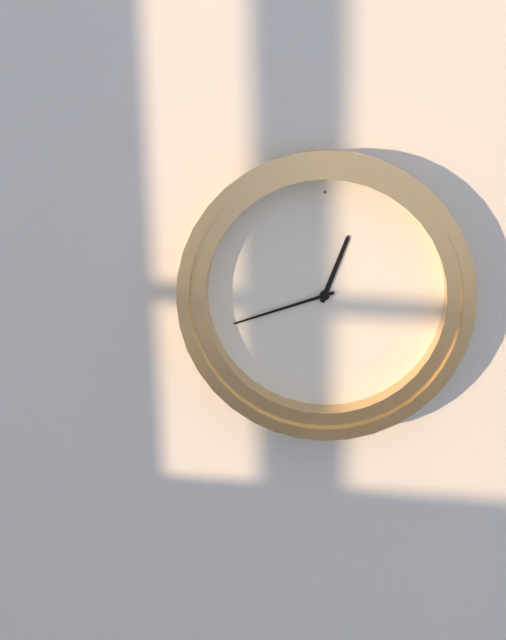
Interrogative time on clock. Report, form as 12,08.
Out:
12,42
